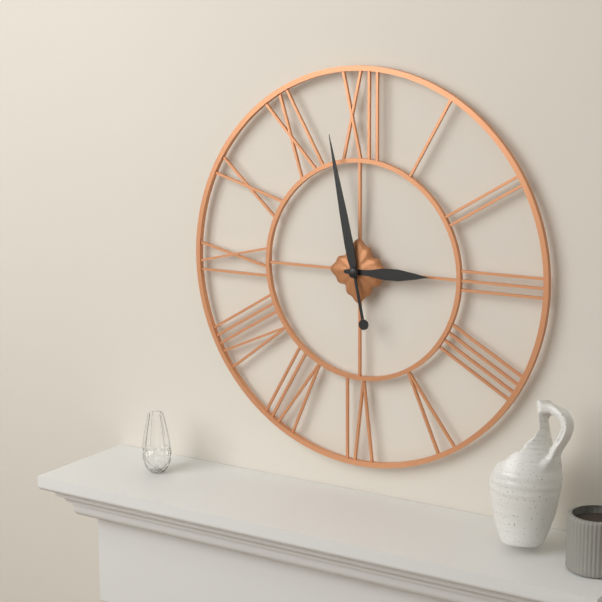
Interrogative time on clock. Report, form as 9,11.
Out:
2,58
